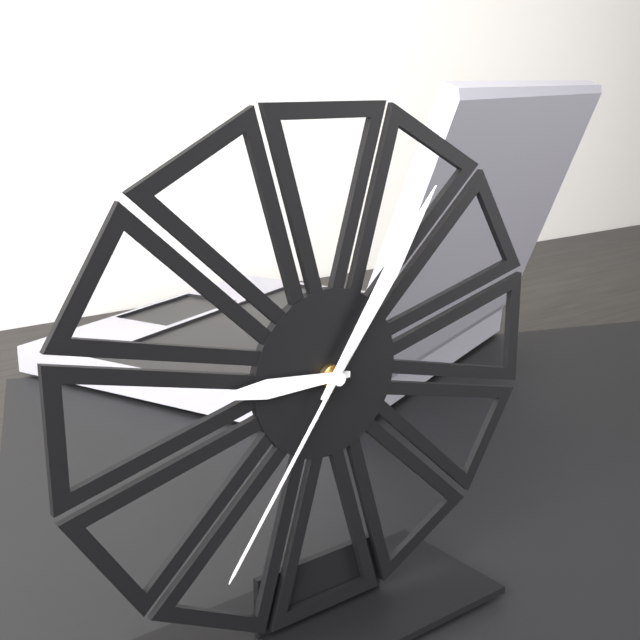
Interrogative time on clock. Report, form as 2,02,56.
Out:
9,06,36
